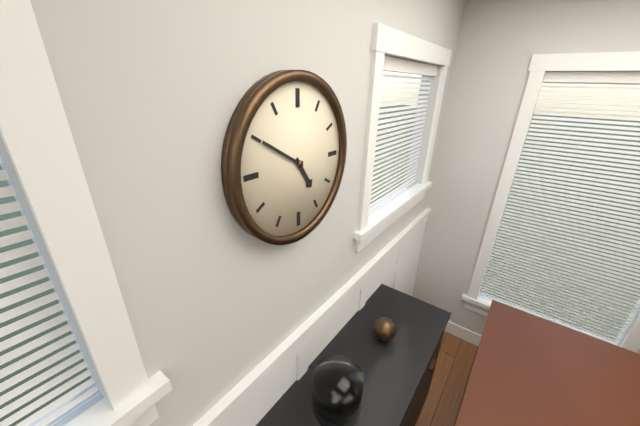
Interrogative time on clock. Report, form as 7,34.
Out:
4,50
